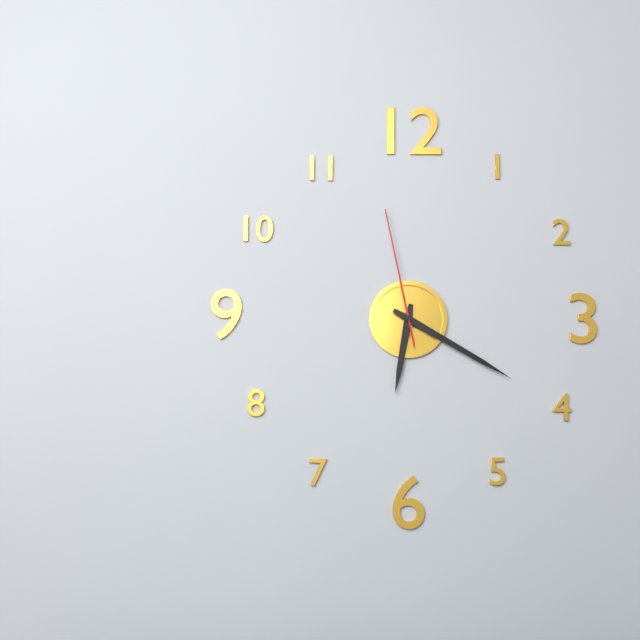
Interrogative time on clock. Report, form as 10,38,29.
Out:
6,20,58
